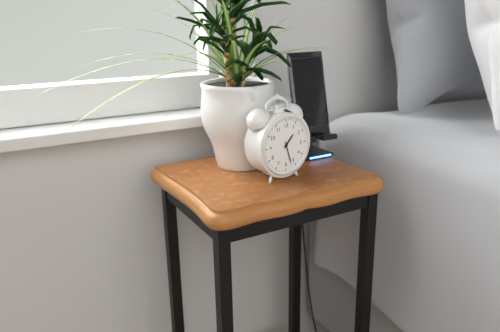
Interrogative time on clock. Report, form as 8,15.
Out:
1,27
